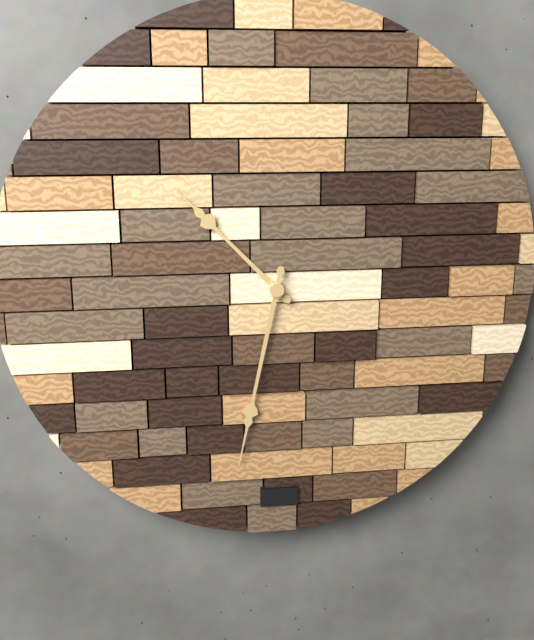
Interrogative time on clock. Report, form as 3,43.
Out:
10,32
